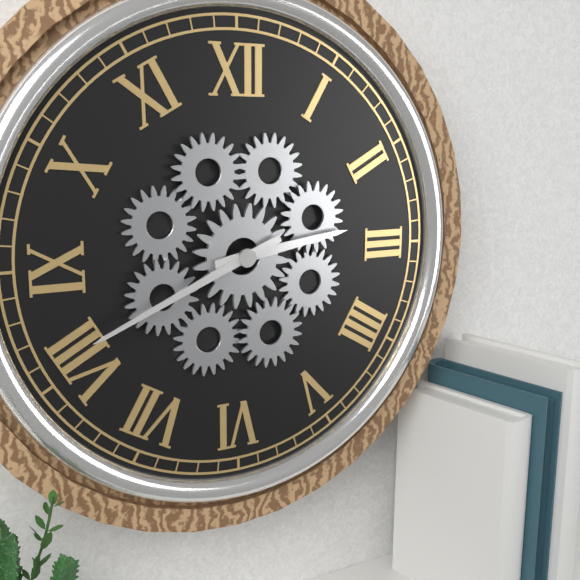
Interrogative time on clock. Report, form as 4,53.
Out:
2,41
